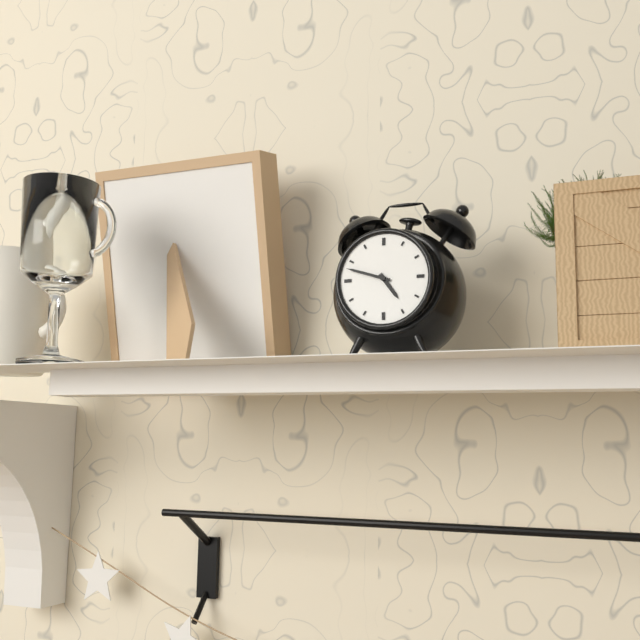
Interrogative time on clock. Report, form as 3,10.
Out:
4,48
